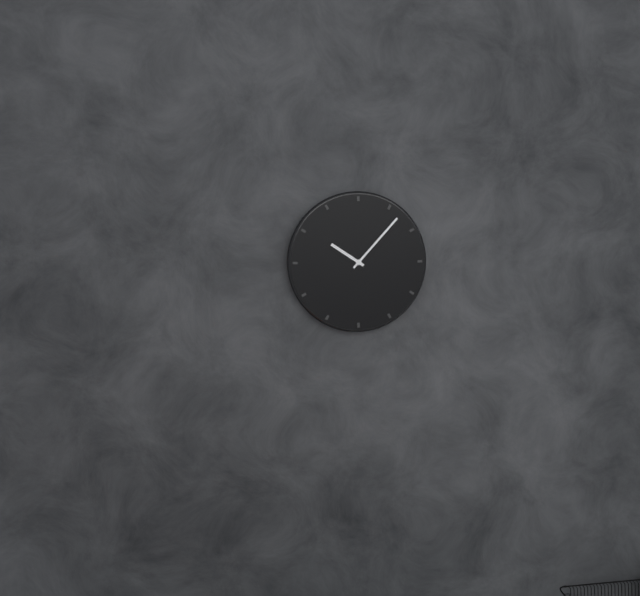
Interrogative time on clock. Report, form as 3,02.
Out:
10,07
